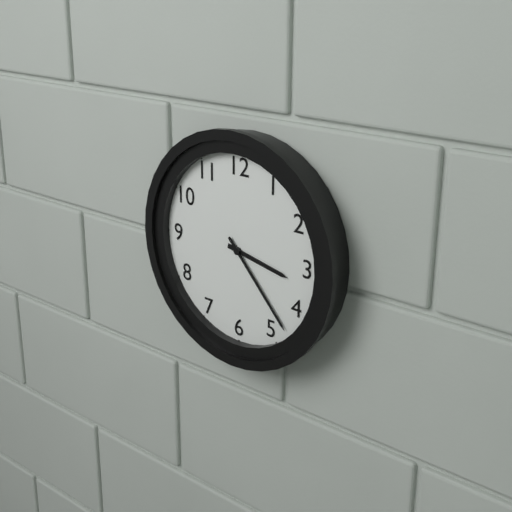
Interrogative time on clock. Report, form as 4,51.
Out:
3,23
